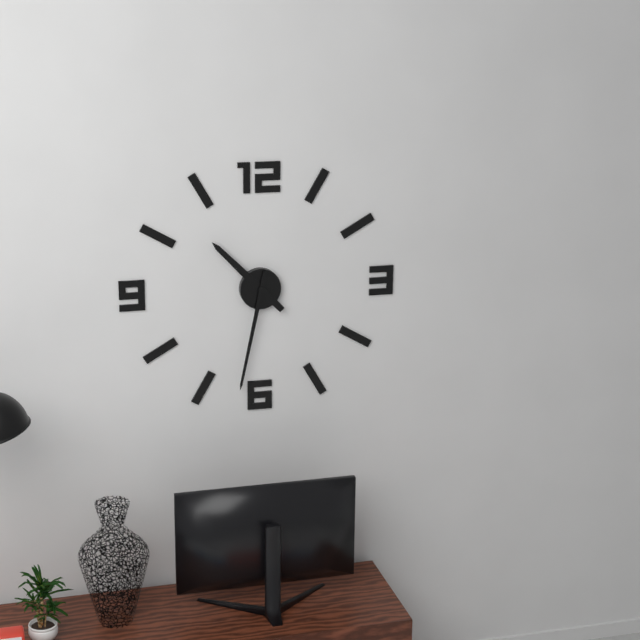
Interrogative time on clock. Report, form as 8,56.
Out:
10,32
